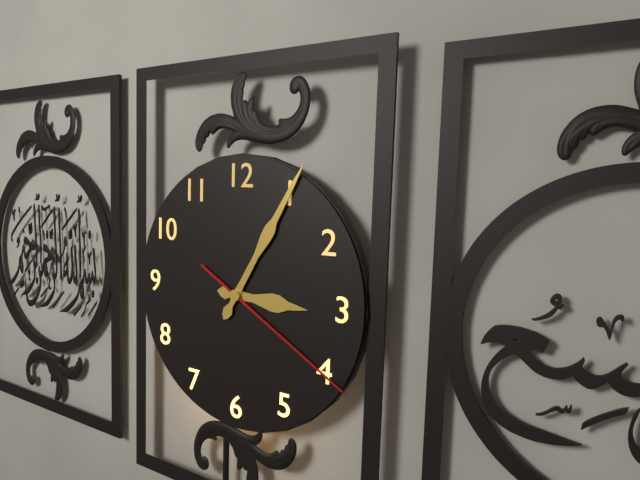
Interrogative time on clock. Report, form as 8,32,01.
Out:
3,05,20
